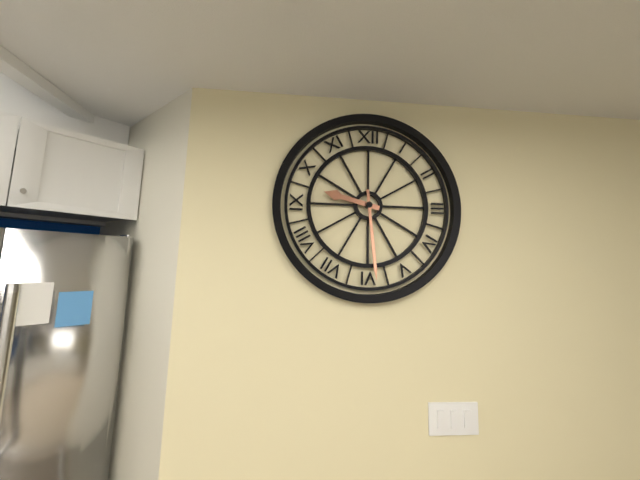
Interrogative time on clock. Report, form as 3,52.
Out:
9,29
